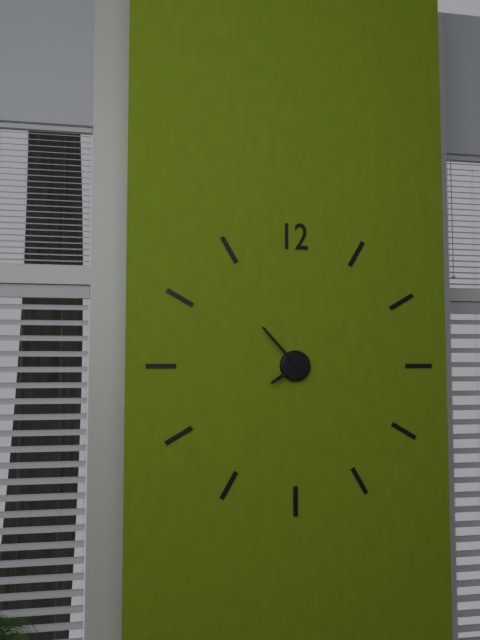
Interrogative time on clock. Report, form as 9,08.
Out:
7,53
